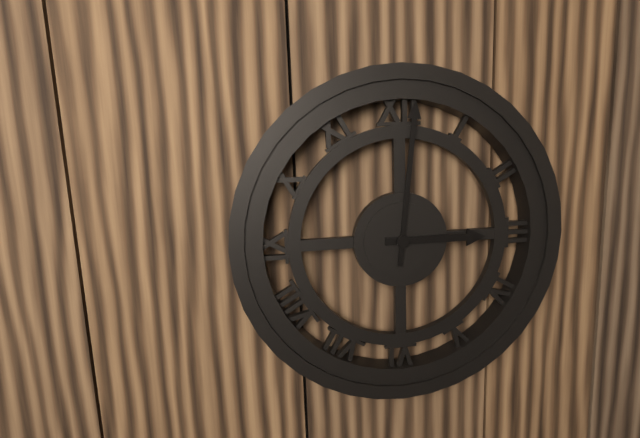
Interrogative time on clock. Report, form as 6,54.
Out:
3,01
